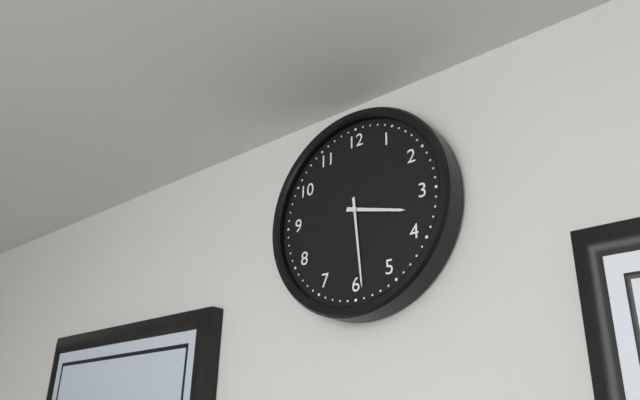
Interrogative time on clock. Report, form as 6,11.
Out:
3,29
